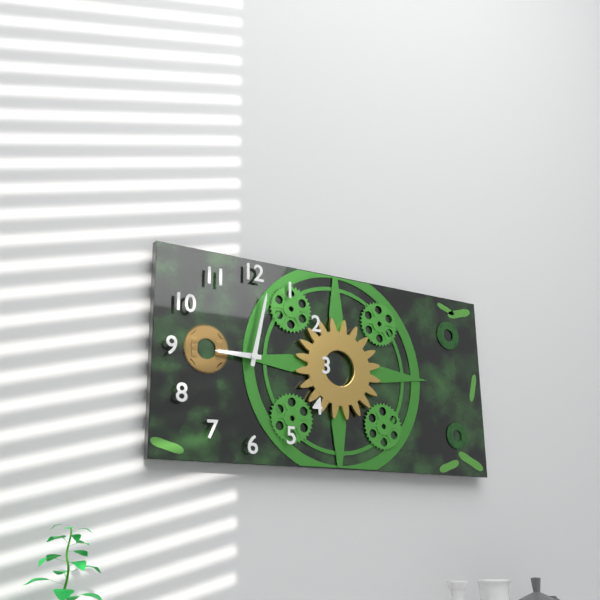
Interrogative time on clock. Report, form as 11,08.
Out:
9,02
